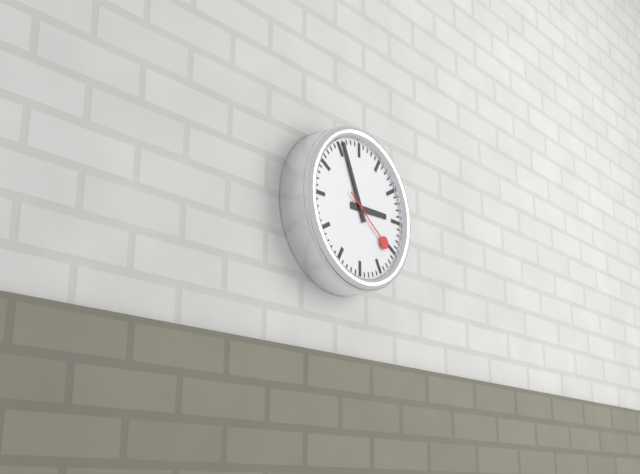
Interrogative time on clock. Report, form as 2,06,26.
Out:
2,56,21
